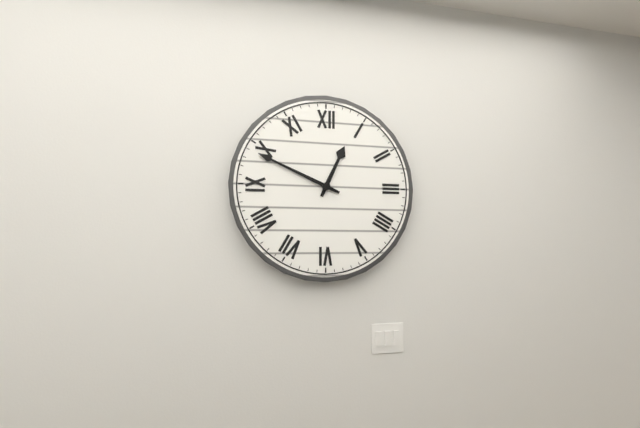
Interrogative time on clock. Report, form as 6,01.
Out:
12,49
